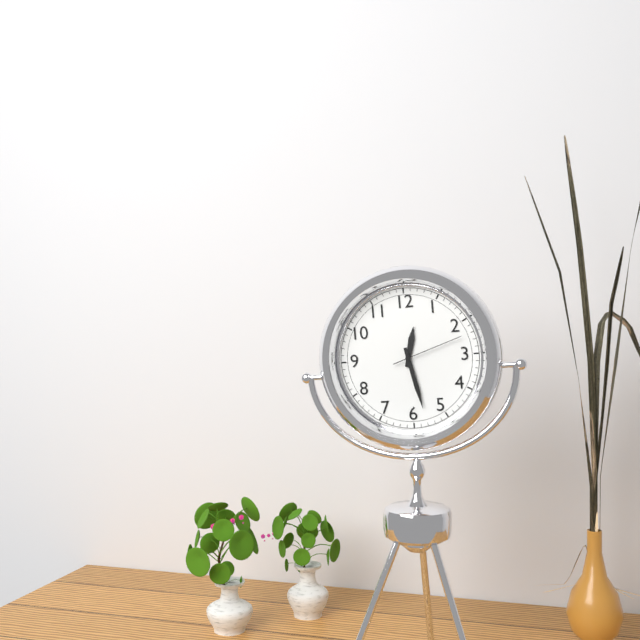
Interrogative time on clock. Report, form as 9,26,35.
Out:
12,28,12
